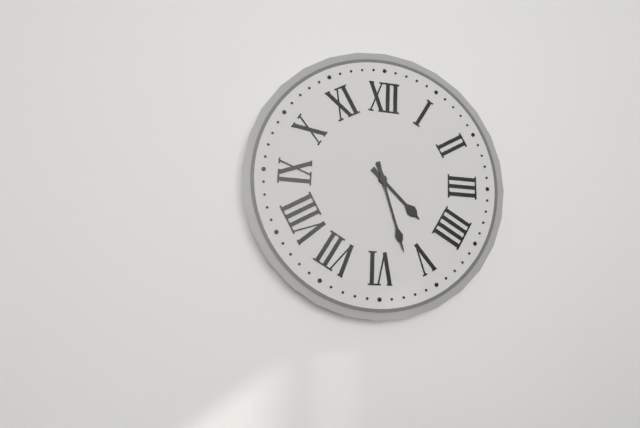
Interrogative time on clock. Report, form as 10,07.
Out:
4,27
